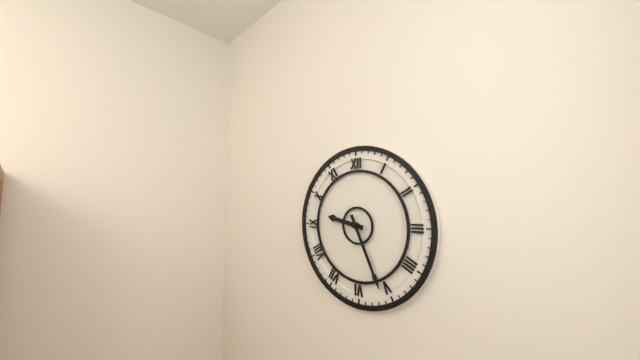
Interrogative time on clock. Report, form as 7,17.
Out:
9,26
